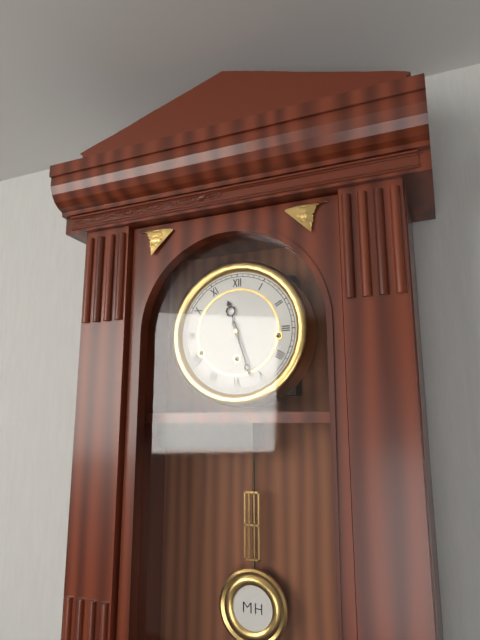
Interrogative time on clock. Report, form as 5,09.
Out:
11,27
